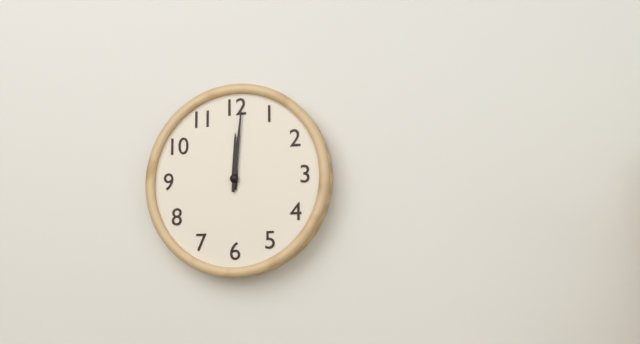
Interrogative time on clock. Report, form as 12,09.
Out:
12,01
